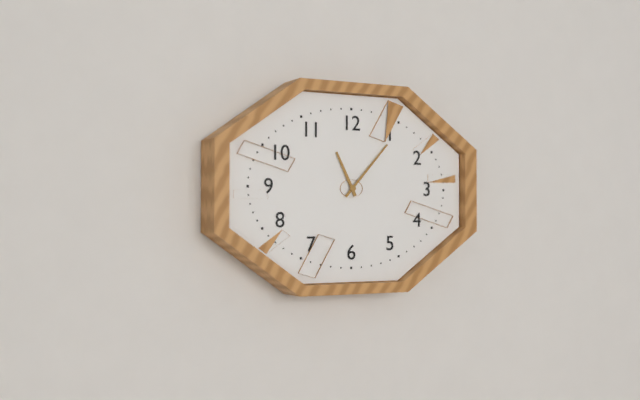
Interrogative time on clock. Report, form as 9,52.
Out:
11,07
